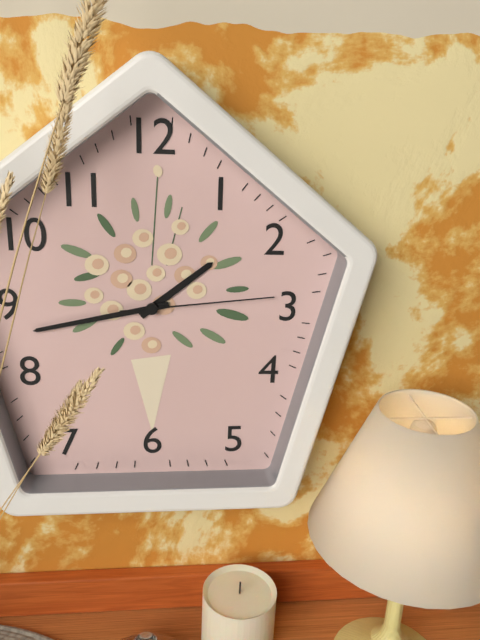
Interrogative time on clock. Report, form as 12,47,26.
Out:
1,43,14
